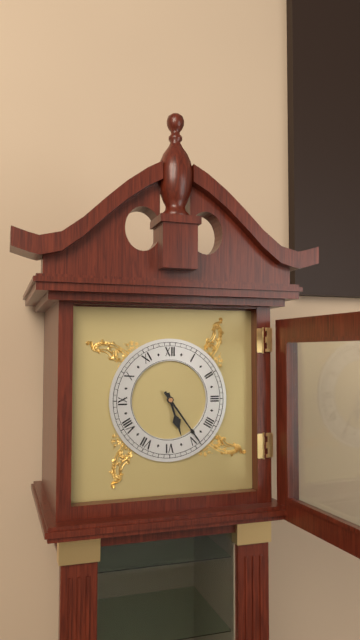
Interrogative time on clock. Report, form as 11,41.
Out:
5,24
